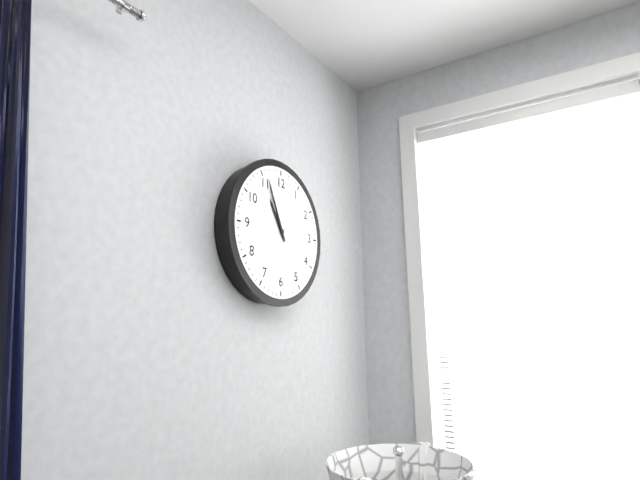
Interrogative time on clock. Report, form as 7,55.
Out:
10,56
